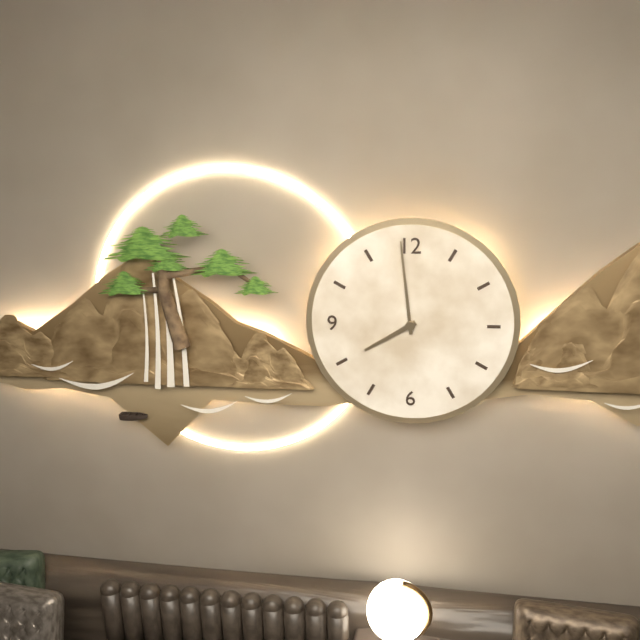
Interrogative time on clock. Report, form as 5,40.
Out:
7,59
